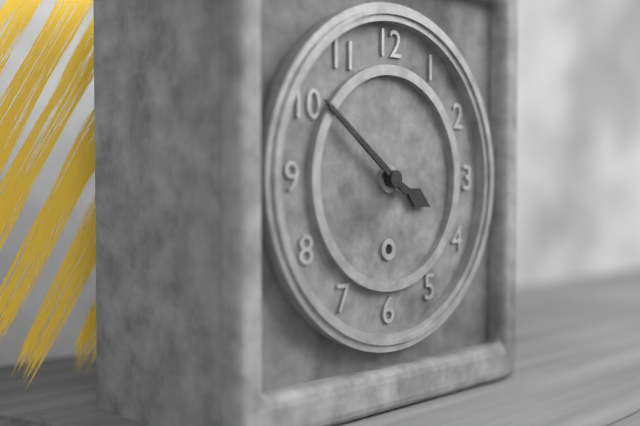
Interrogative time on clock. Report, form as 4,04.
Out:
3,51
